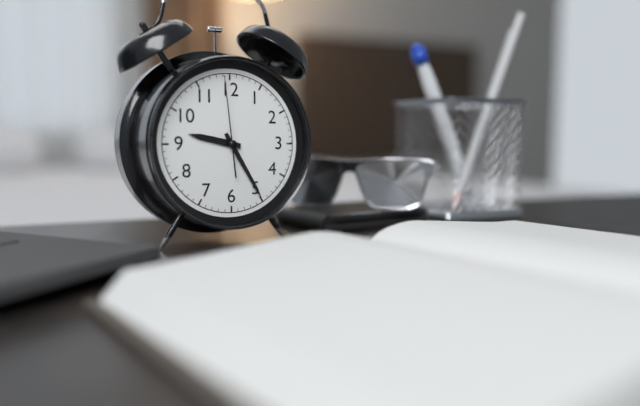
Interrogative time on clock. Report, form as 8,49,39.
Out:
9,25,59
